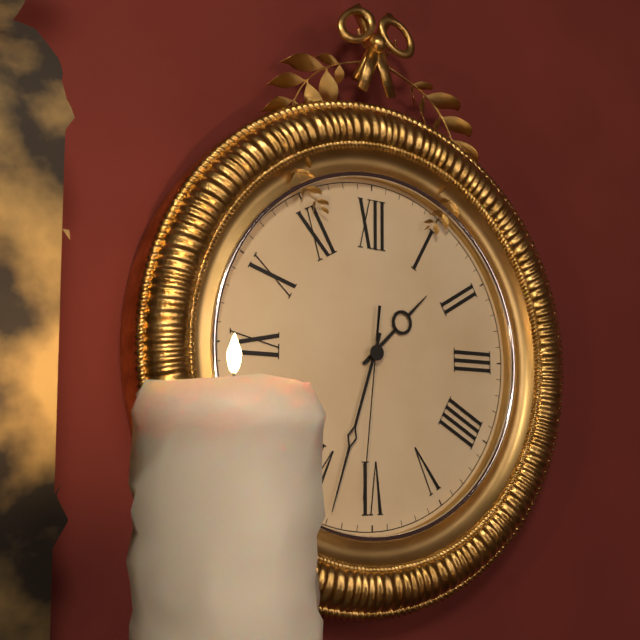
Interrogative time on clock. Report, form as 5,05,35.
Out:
1,33,31
